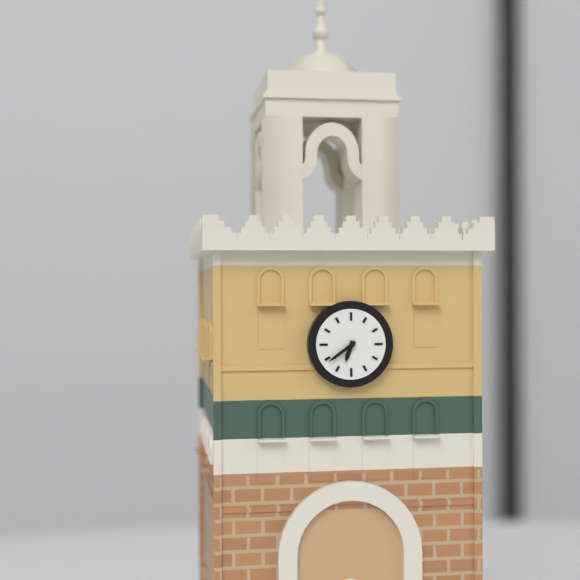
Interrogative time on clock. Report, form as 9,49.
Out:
6,39
